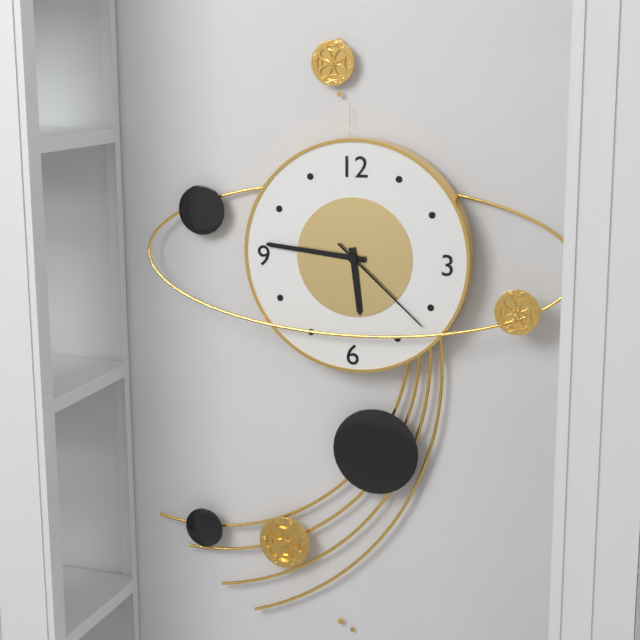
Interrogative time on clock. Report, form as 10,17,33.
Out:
5,46,22
